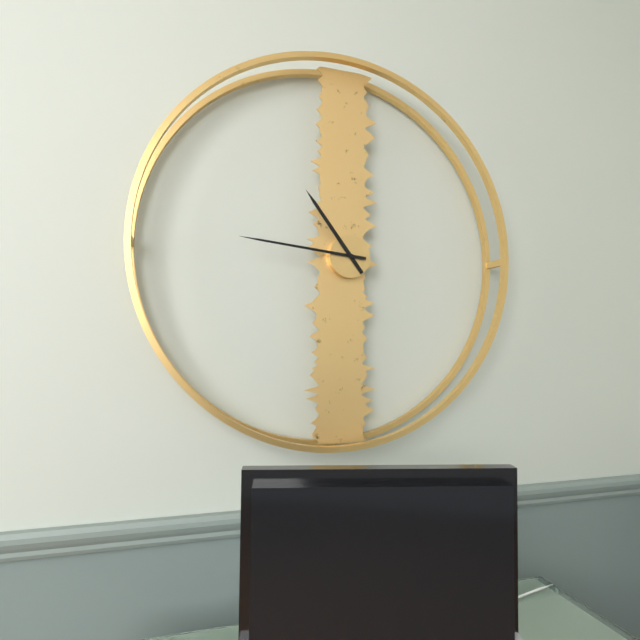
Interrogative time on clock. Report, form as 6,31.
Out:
10,46
